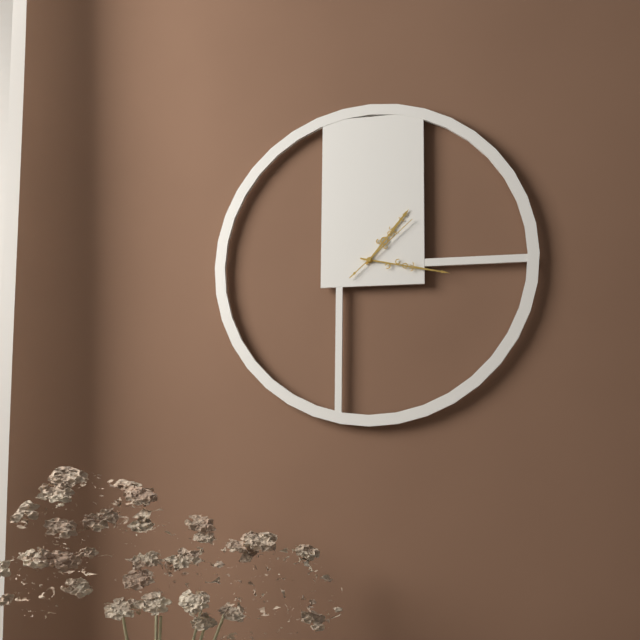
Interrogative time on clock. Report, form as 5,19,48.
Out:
1,17,08
